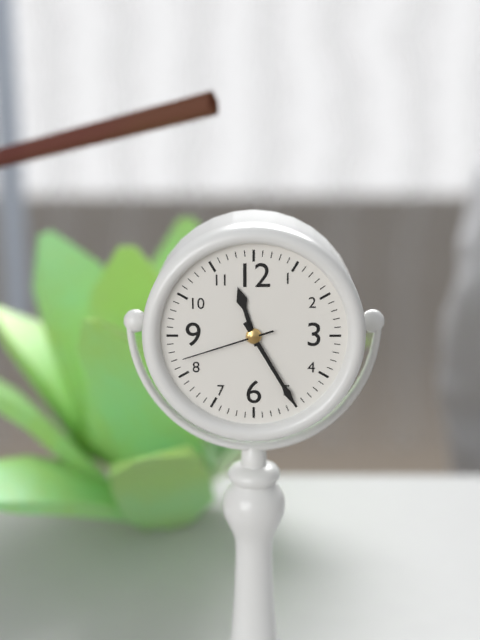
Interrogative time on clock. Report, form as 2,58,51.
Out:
11,25,42
